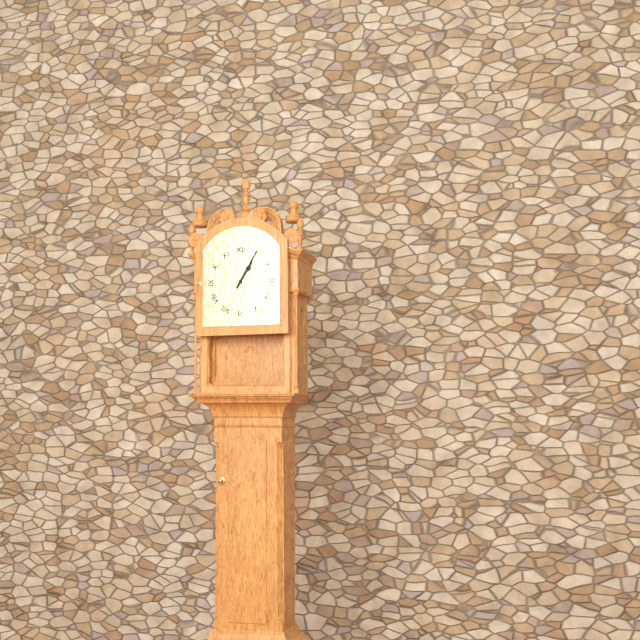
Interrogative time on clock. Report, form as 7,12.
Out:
1,05
